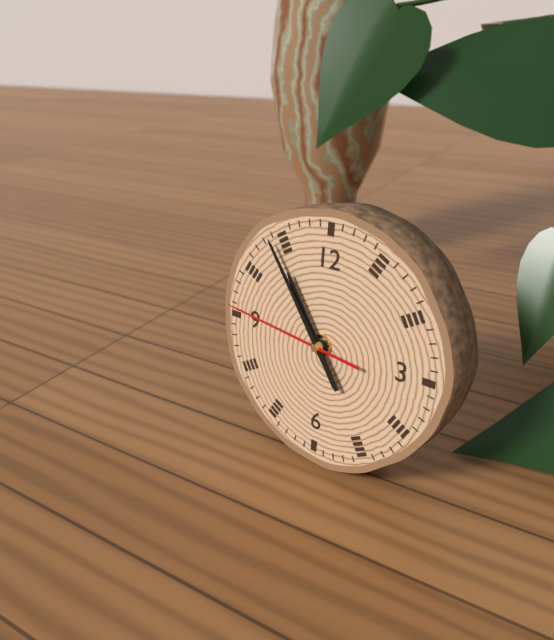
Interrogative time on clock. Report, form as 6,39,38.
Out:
10,54,46
